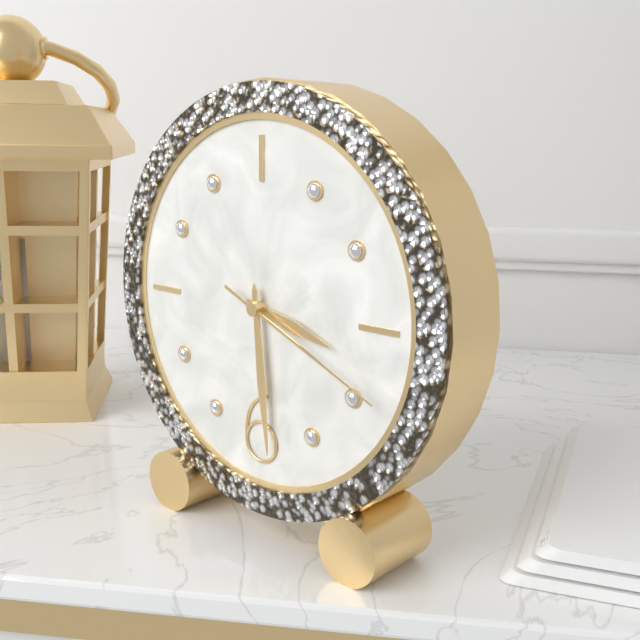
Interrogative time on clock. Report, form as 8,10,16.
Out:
3,29,19
